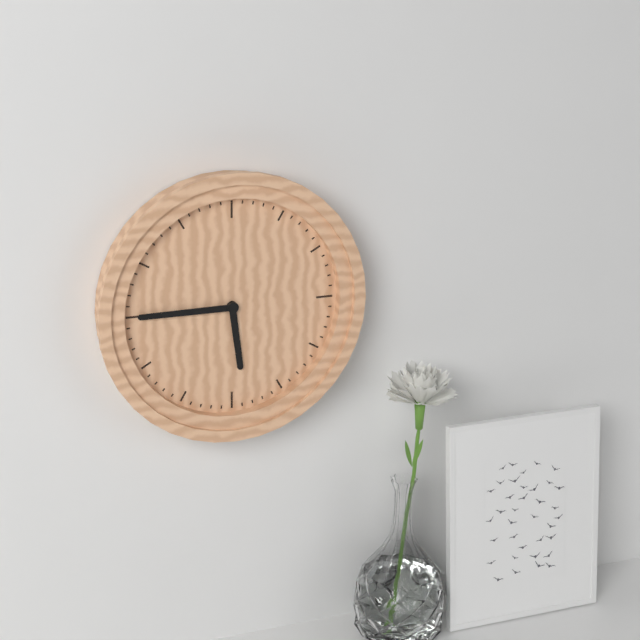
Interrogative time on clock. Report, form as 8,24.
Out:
5,45
